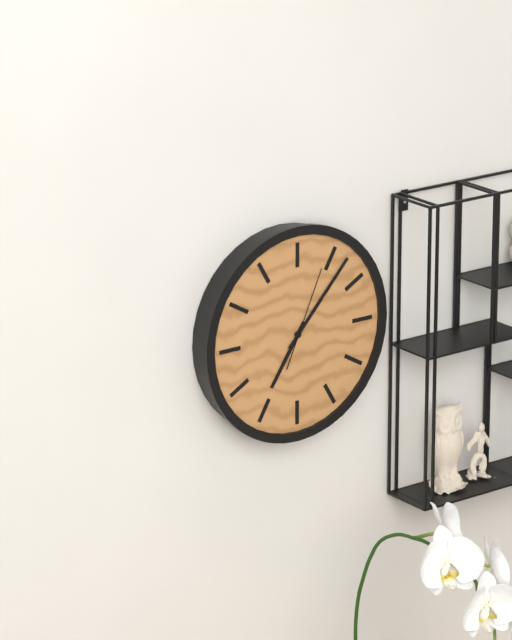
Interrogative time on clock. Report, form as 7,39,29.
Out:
7,07,04
